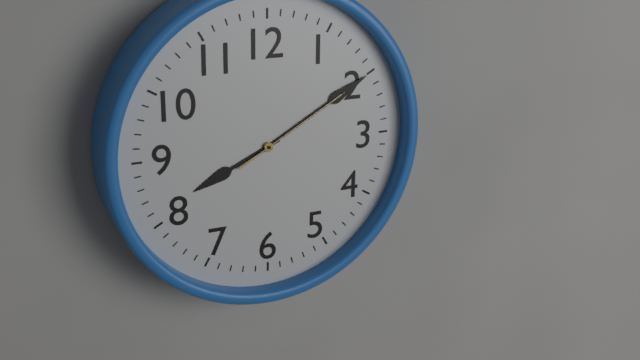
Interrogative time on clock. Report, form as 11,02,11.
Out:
8,10,10
